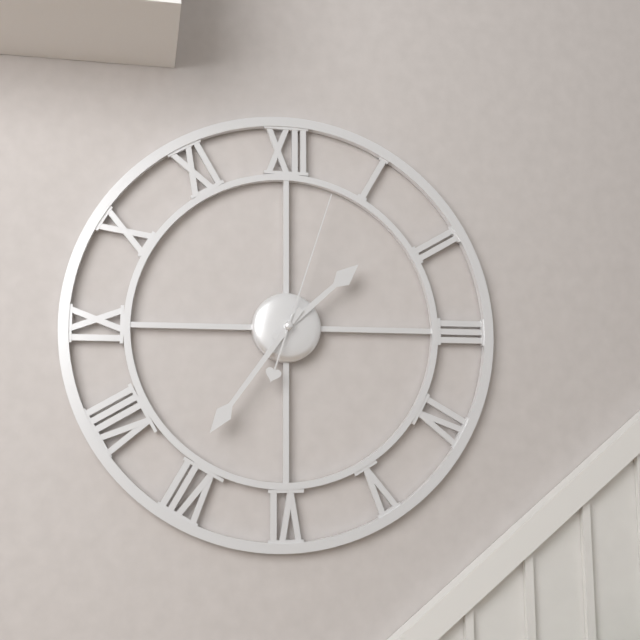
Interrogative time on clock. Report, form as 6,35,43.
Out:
1,36,03
